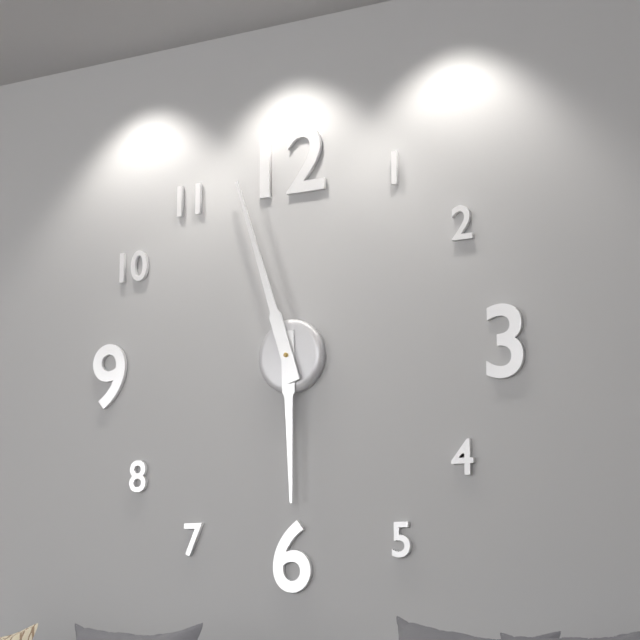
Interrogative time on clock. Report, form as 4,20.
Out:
5,57
